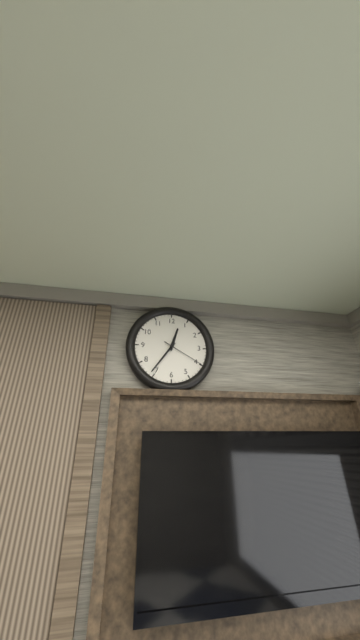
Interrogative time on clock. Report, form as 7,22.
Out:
12,36
